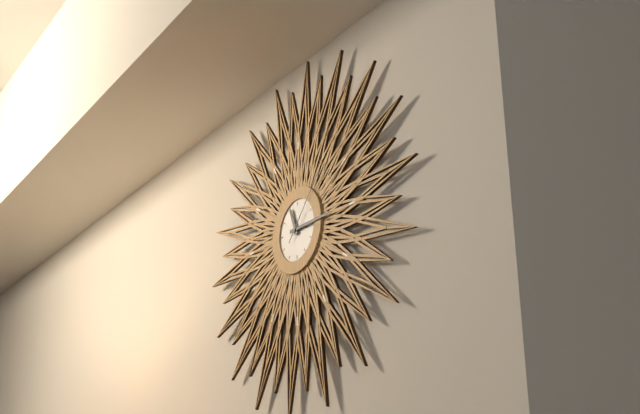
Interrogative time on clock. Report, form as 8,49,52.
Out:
11,15,07
